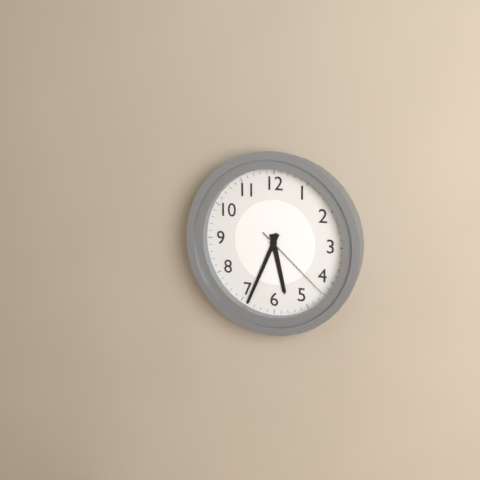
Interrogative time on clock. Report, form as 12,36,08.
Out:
5,34,22
